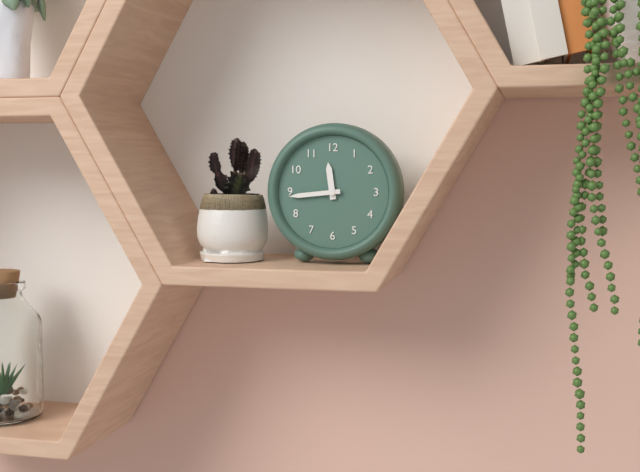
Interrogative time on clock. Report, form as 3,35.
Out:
11,44
